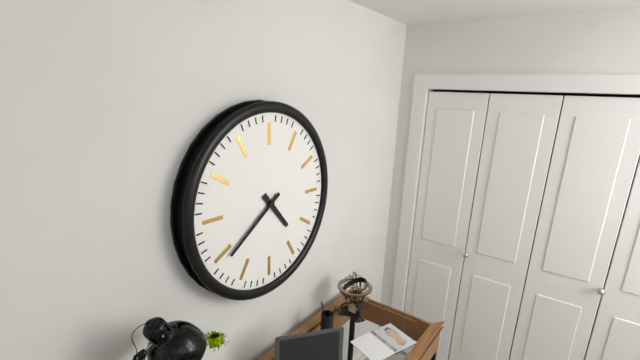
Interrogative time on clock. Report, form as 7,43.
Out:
4,39
